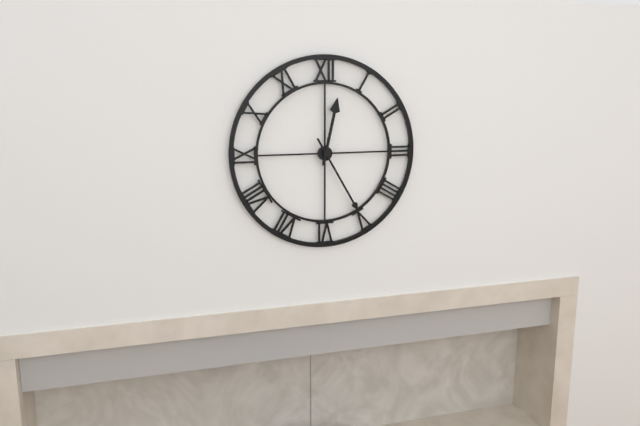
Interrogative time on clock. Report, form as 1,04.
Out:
12,25
